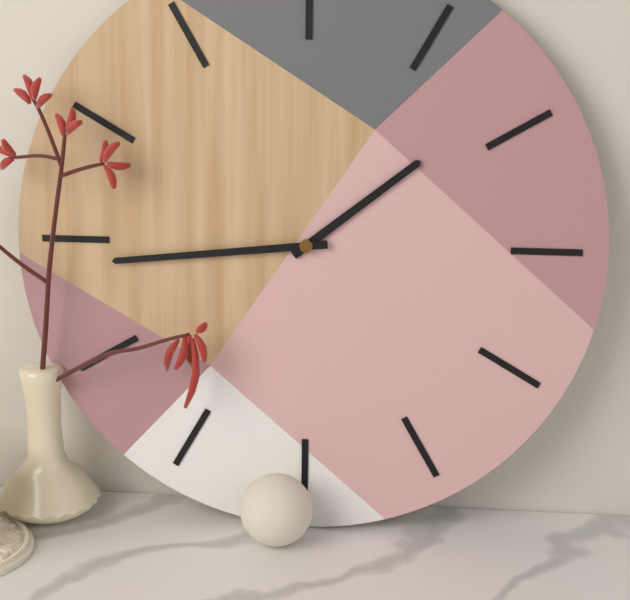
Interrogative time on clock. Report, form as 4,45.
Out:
1,44
